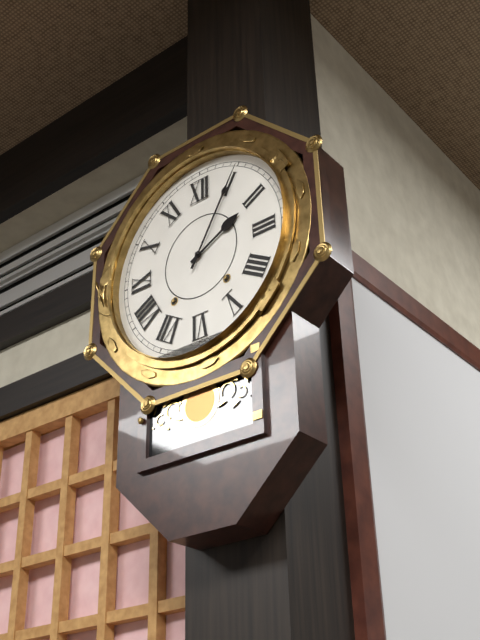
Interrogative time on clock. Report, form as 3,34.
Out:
2,05
